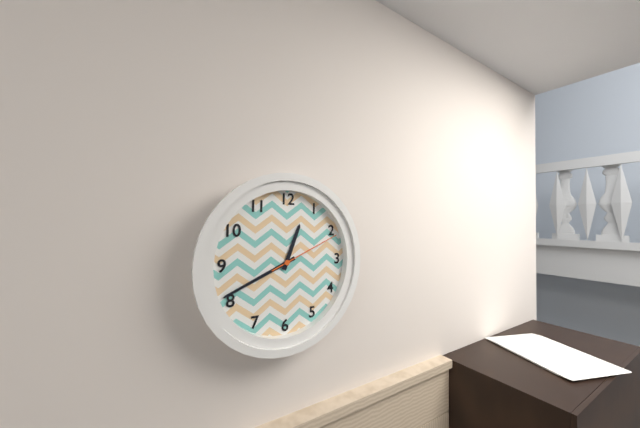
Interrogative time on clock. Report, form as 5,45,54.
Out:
12,41,11
